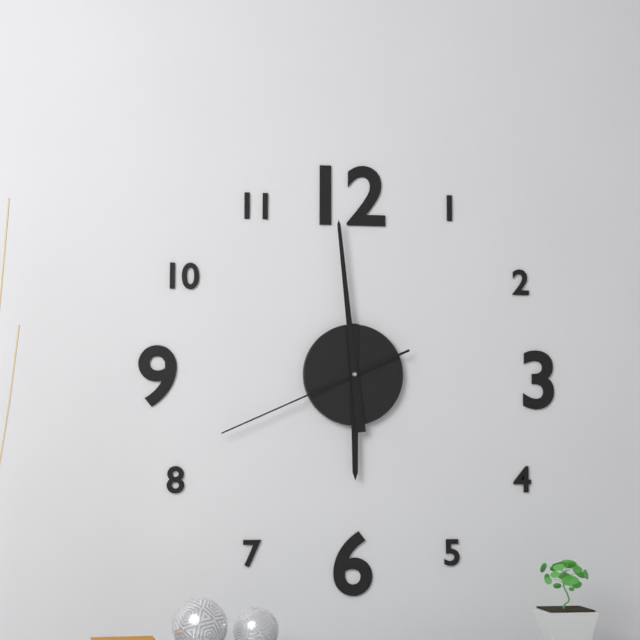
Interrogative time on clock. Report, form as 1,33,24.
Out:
5,59,41
